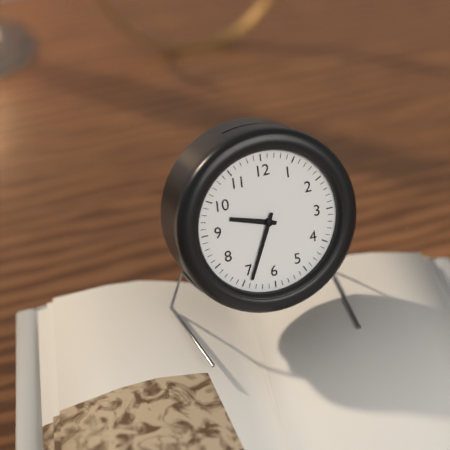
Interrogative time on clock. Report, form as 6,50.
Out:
9,34
